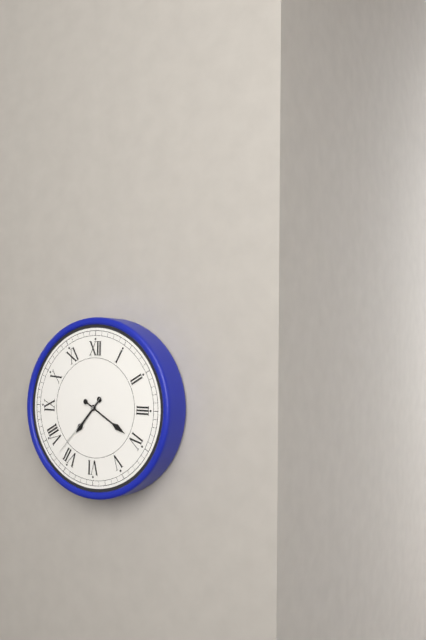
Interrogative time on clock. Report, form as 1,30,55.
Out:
7,20,37
